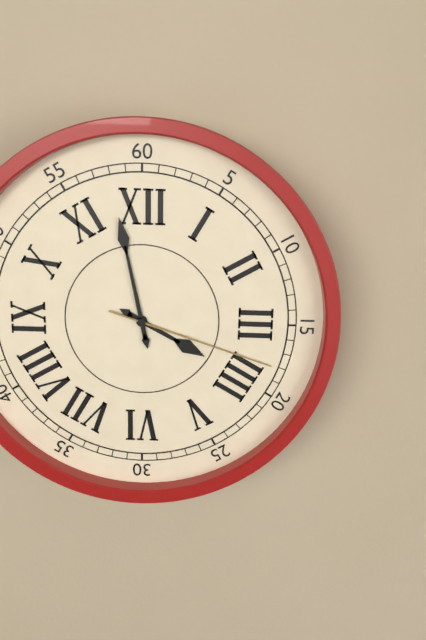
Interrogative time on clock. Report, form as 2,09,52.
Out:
3,58,18
